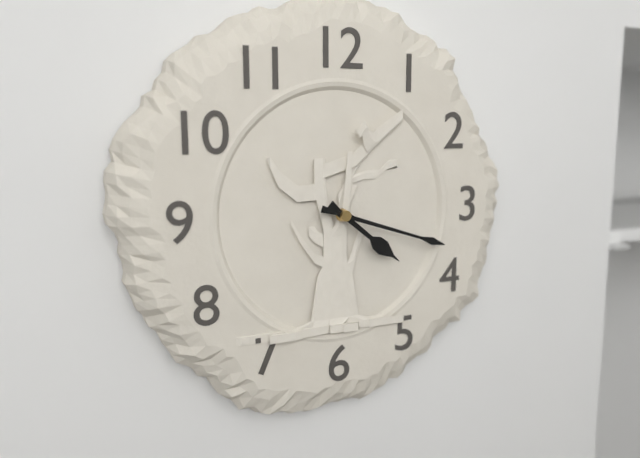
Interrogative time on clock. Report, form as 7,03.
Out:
4,18
